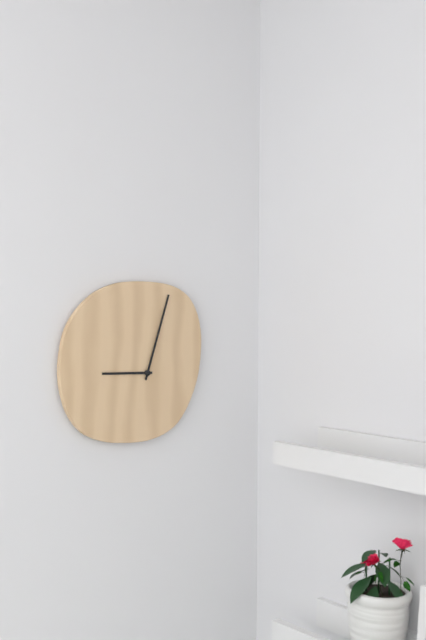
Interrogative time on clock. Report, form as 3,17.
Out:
9,03
